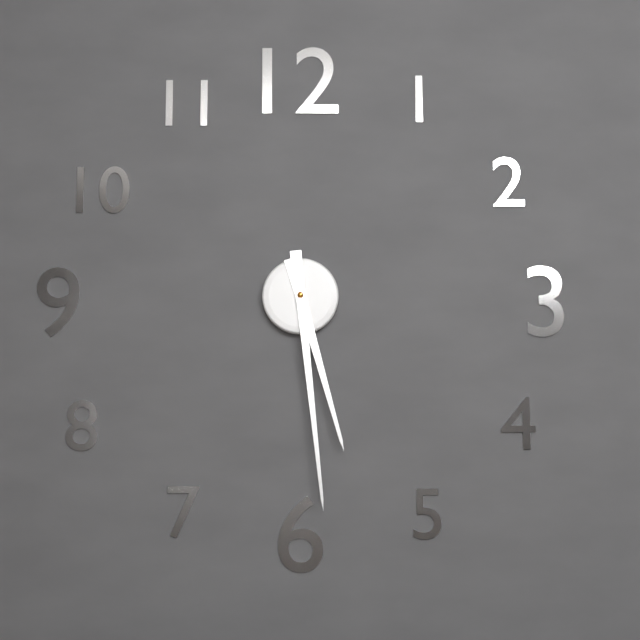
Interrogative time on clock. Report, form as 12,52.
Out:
5,29
